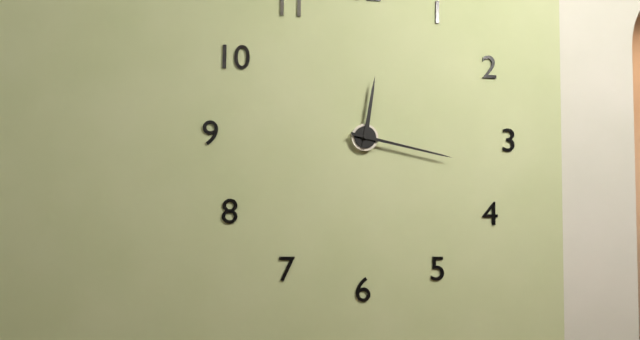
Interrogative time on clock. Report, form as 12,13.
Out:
12,17
